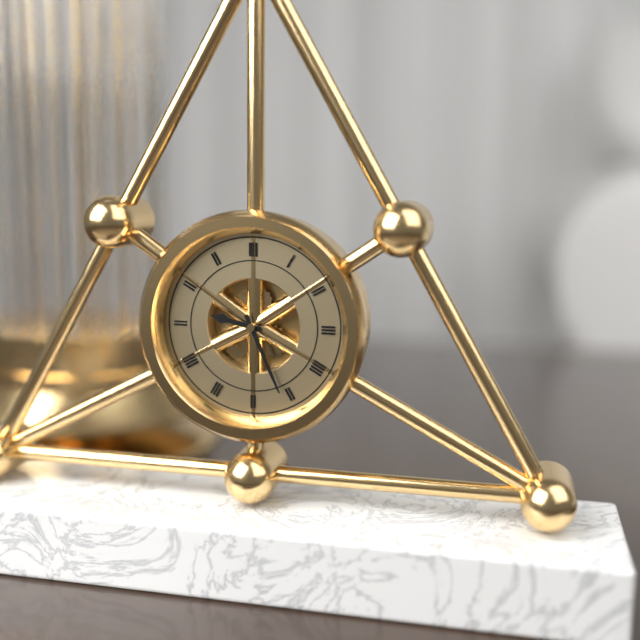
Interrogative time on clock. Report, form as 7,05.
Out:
9,26
